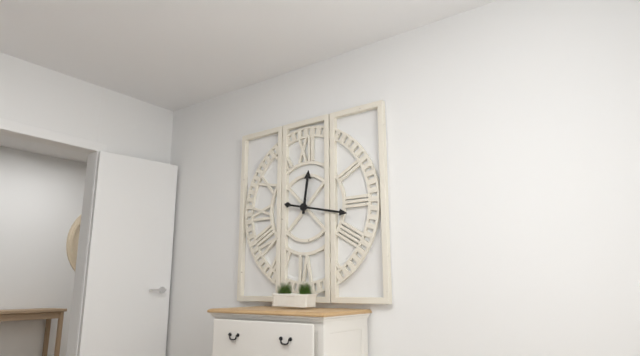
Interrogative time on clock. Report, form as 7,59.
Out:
12,17
